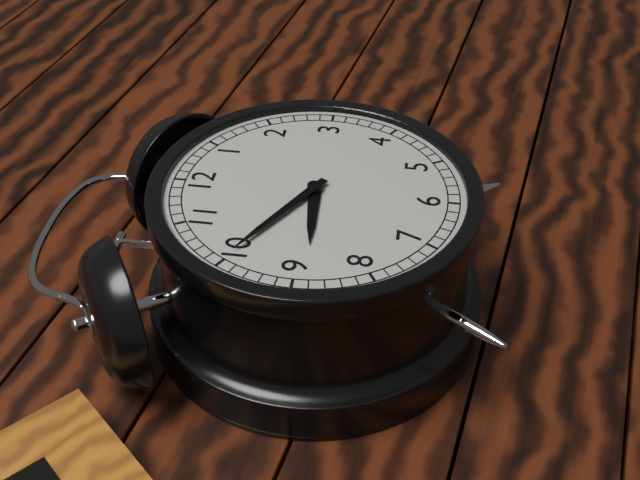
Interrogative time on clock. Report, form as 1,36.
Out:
8,50
